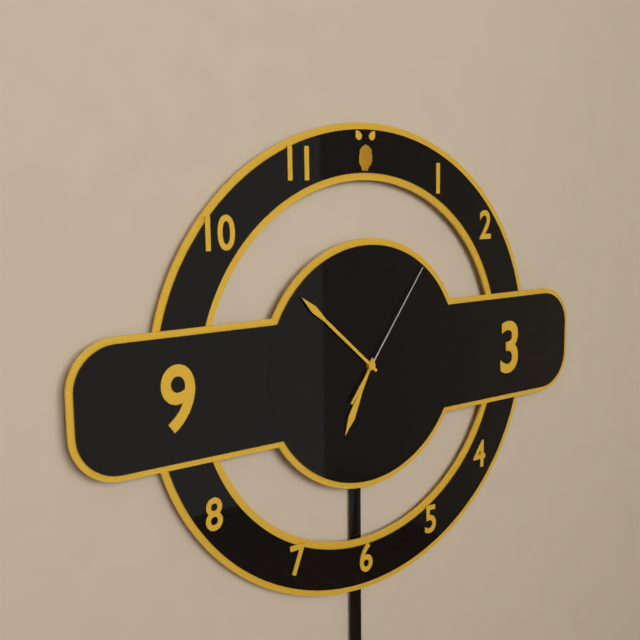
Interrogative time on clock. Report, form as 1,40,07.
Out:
6,52,06
